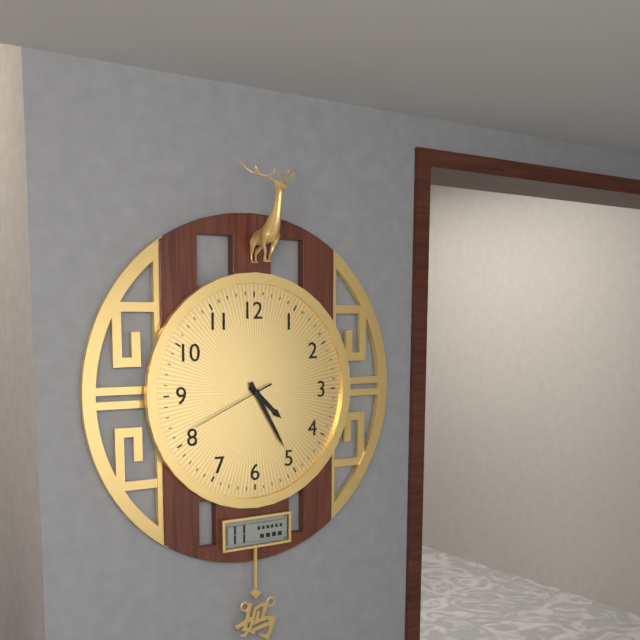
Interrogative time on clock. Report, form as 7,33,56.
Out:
4,25,41
